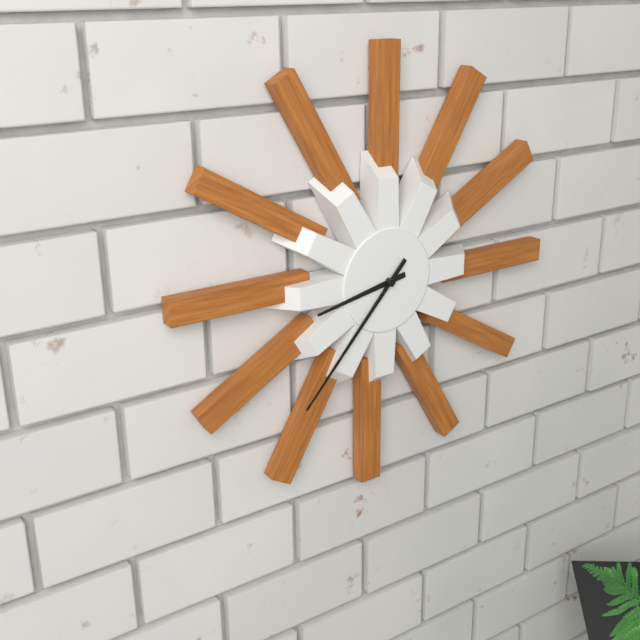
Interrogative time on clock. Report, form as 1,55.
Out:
8,37
